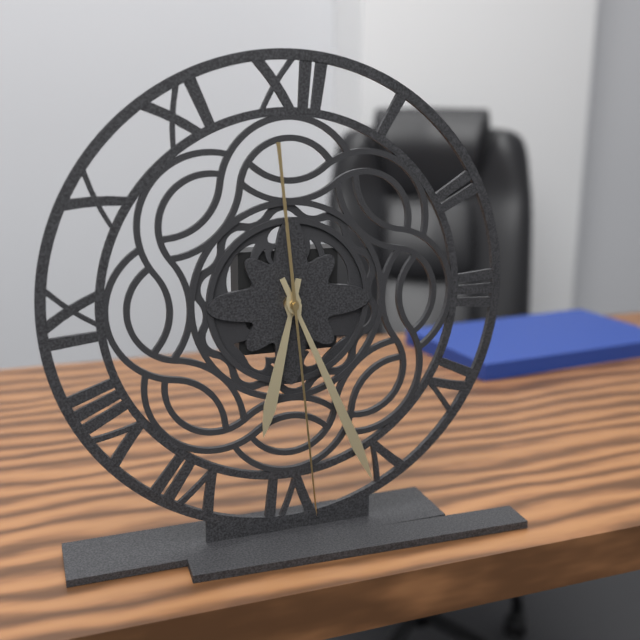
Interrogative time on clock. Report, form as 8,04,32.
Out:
6,26,29
